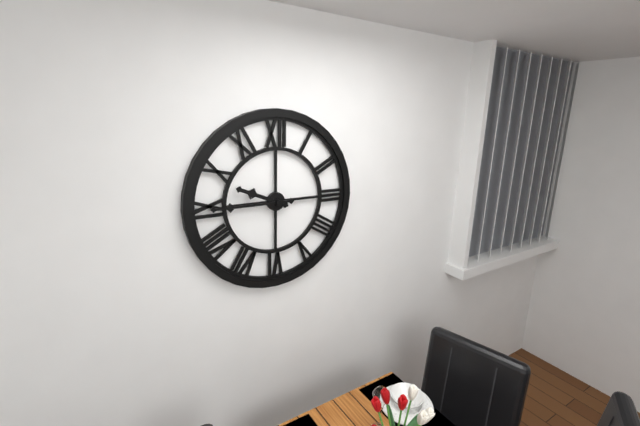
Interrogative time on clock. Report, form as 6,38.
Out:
9,45
